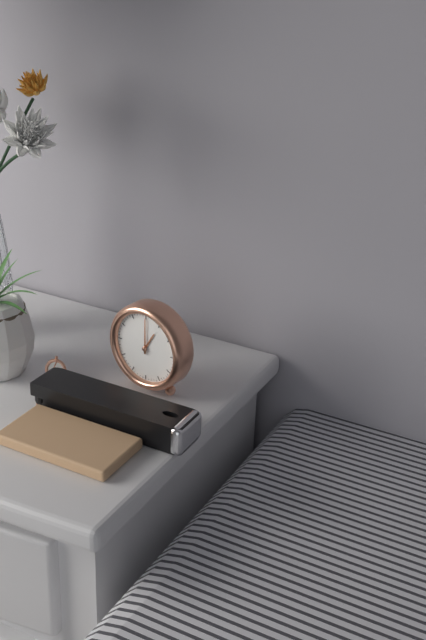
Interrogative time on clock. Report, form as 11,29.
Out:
1,00
